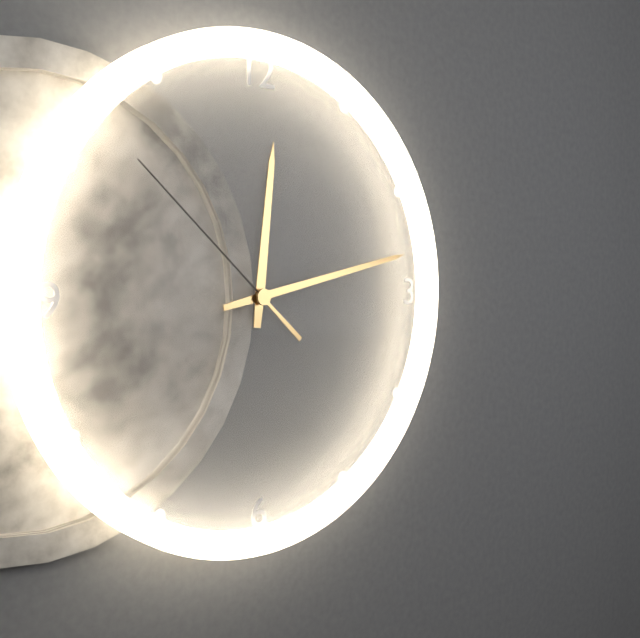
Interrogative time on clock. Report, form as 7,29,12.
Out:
12,13,52
